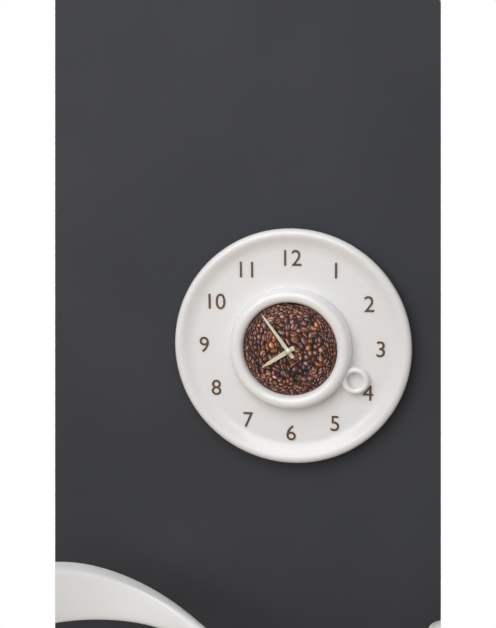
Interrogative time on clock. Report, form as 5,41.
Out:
7,54
